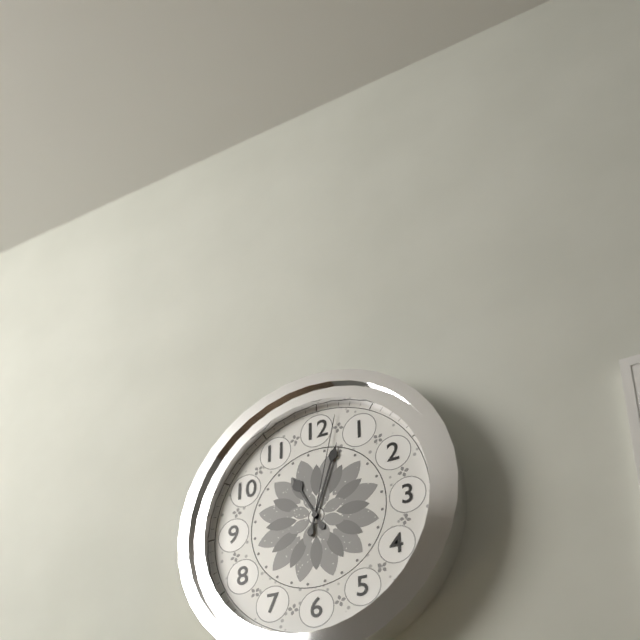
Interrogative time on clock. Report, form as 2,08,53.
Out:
11,03,02
